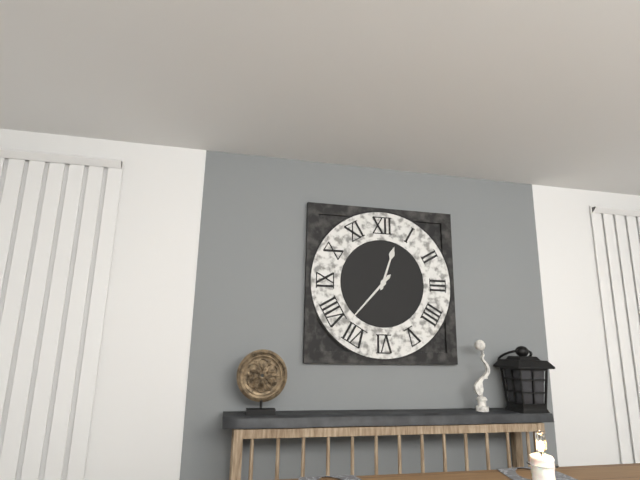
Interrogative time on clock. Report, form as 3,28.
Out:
12,37
